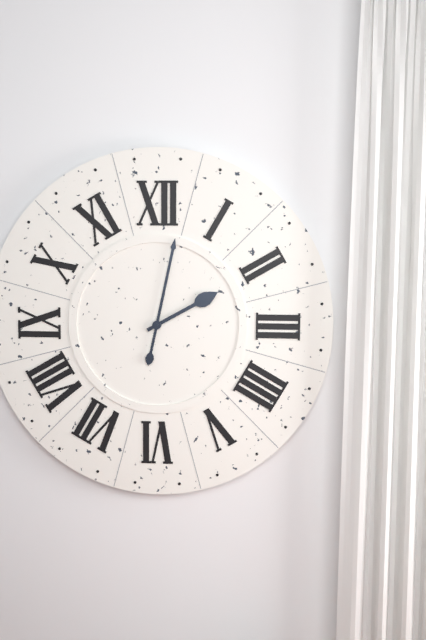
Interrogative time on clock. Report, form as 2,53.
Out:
2,02
